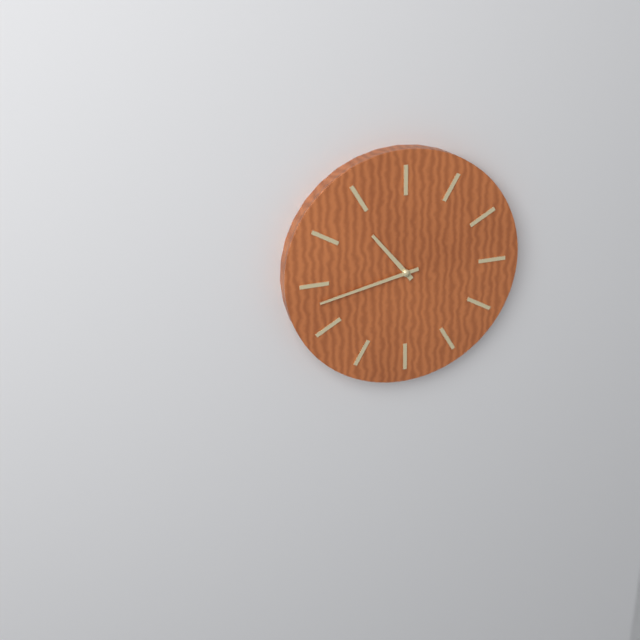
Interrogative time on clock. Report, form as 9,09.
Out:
10,43
